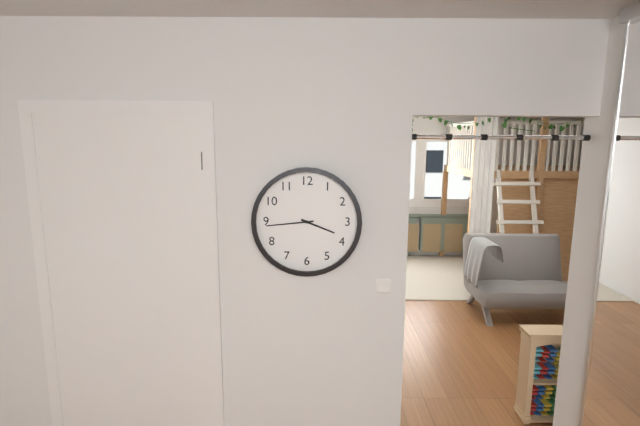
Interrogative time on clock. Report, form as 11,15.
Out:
3,44
